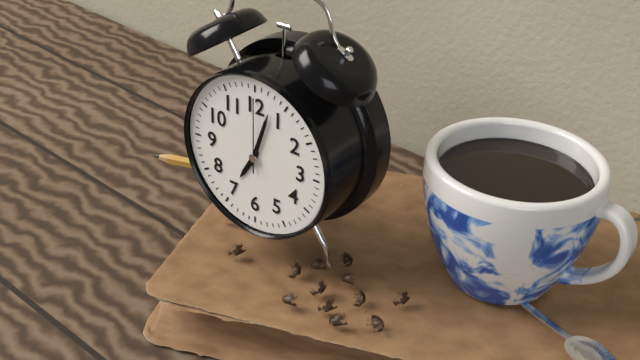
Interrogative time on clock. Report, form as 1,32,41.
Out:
7,03,00
